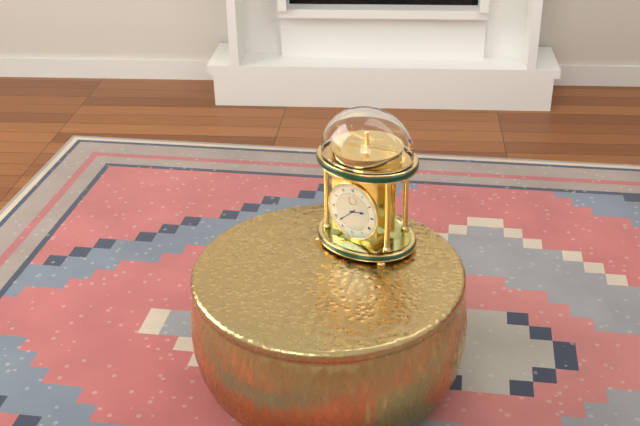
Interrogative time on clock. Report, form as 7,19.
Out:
2,38
